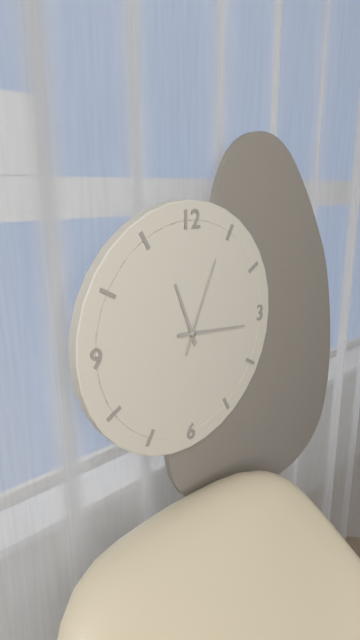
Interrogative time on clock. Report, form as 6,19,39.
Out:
11,16,04
